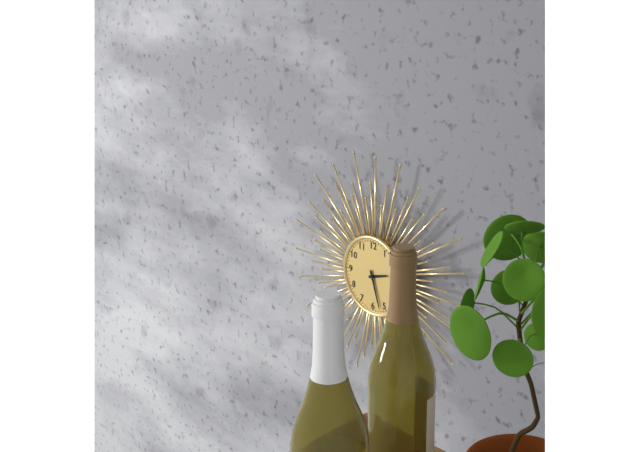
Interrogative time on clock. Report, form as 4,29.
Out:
2,27
